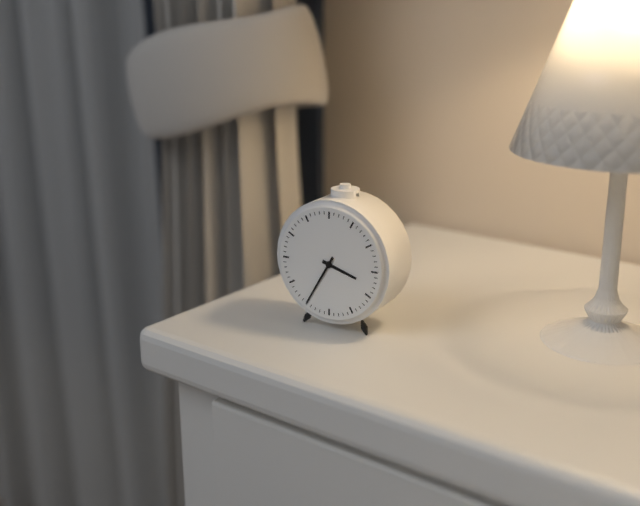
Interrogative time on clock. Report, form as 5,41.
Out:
3,35
